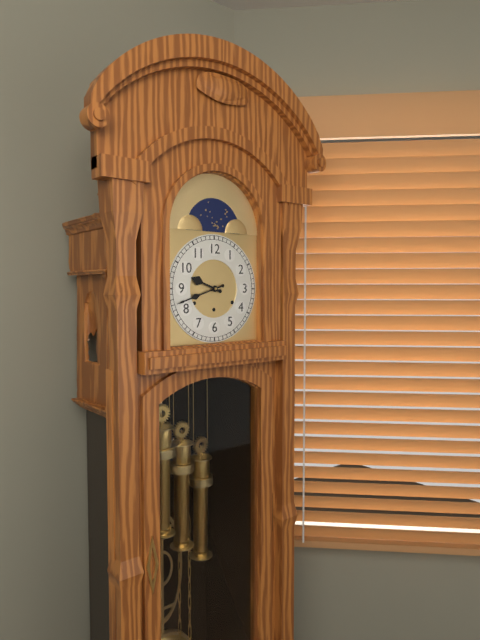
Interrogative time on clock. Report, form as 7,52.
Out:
9,42
